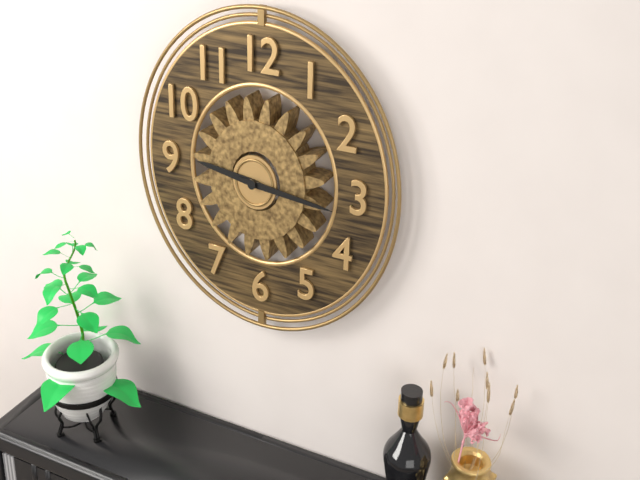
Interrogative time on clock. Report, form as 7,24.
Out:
9,16
